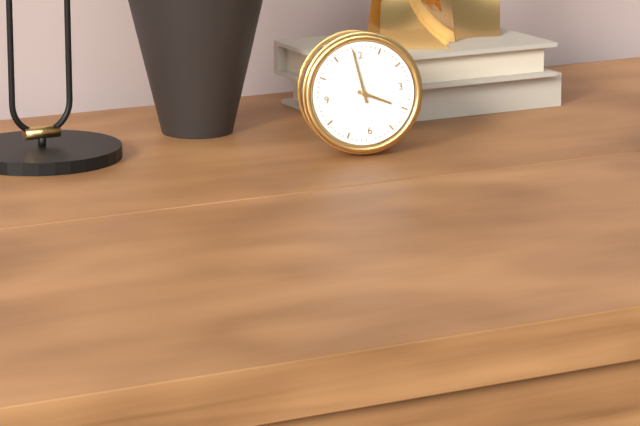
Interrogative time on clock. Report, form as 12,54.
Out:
3,59
